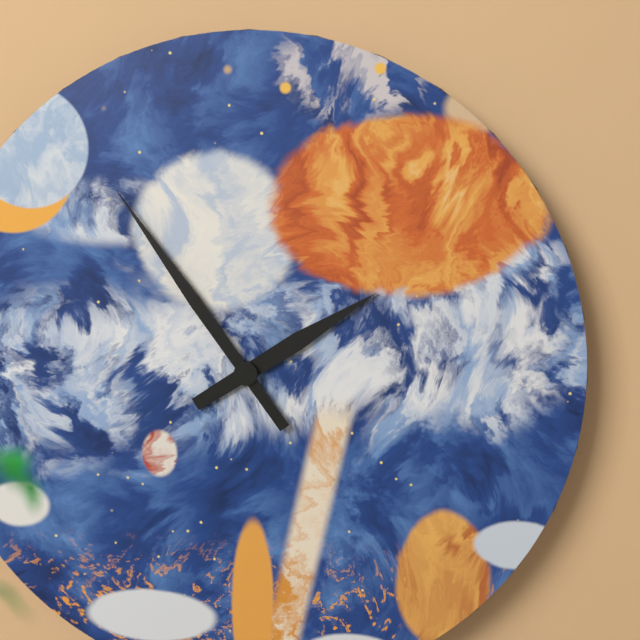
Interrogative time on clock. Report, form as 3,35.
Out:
1,54
